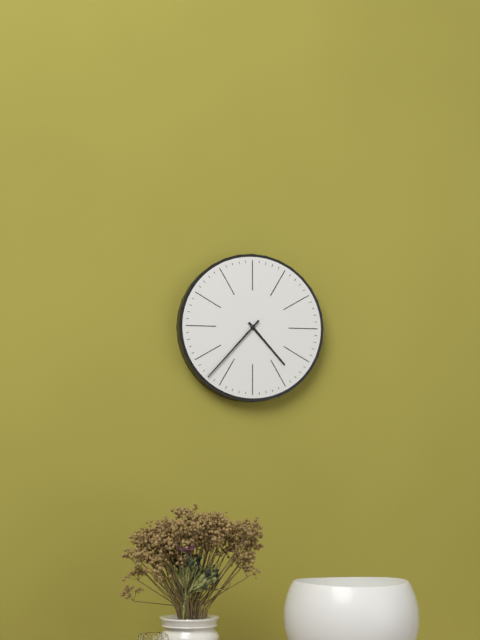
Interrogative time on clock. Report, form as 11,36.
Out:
4,37
